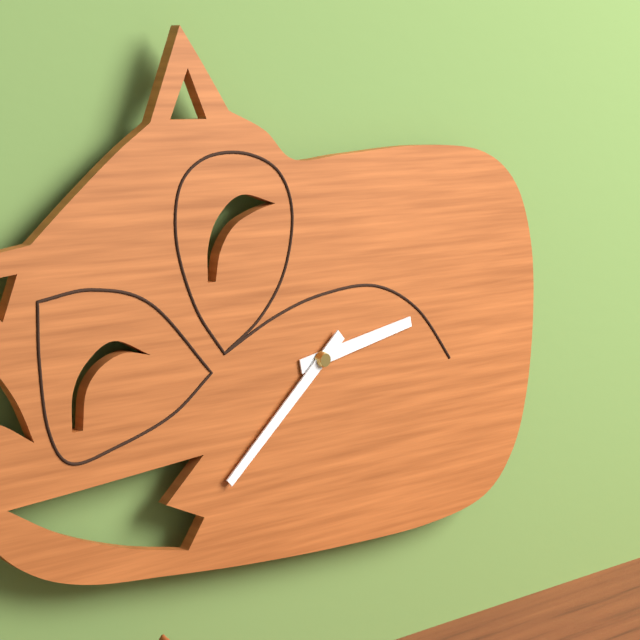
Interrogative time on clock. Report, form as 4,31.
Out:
2,38
